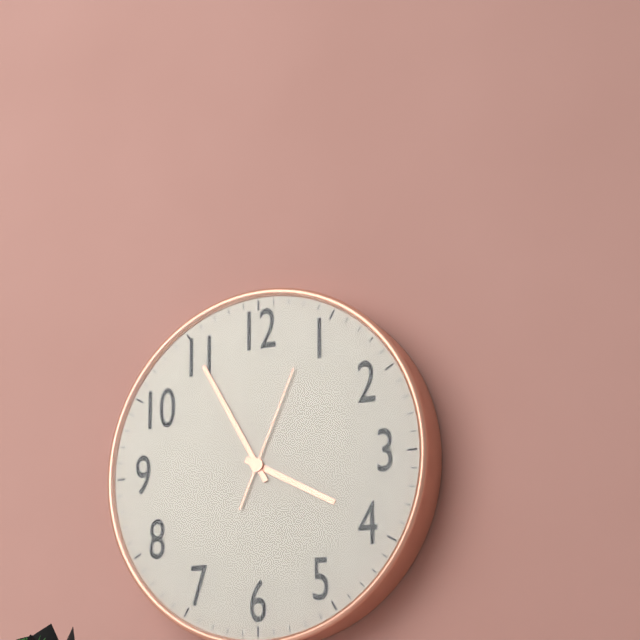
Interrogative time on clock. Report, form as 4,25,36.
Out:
3,55,04
